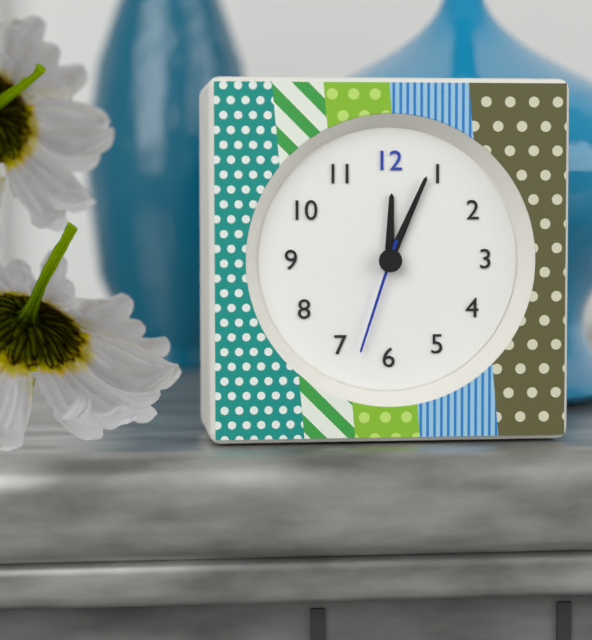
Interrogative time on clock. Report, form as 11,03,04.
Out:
12,04,33
